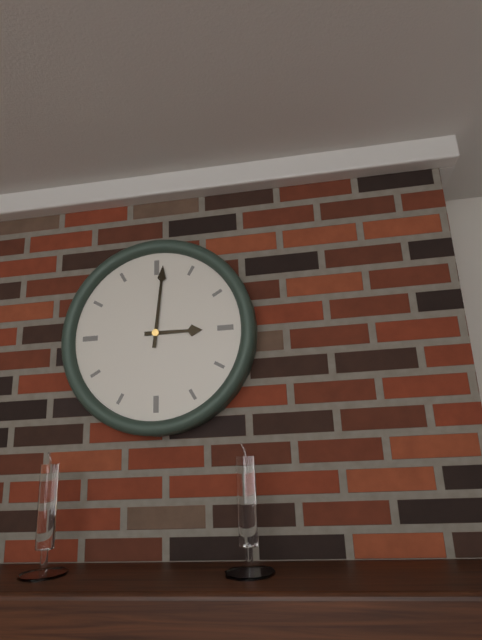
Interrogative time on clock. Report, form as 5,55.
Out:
3,01
